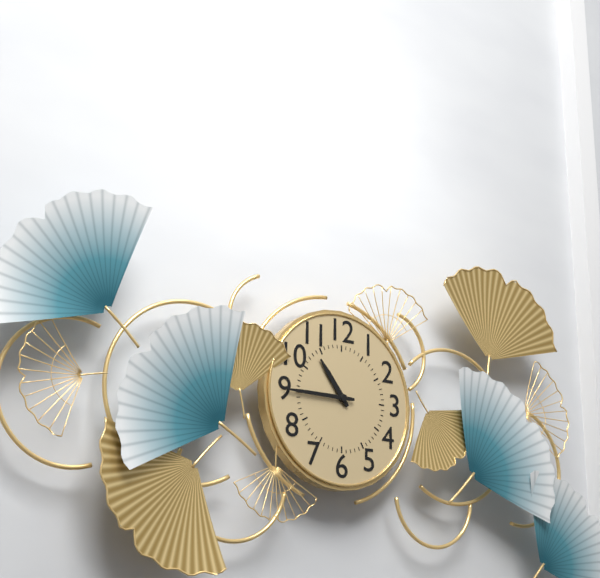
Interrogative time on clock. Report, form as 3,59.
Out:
10,45
